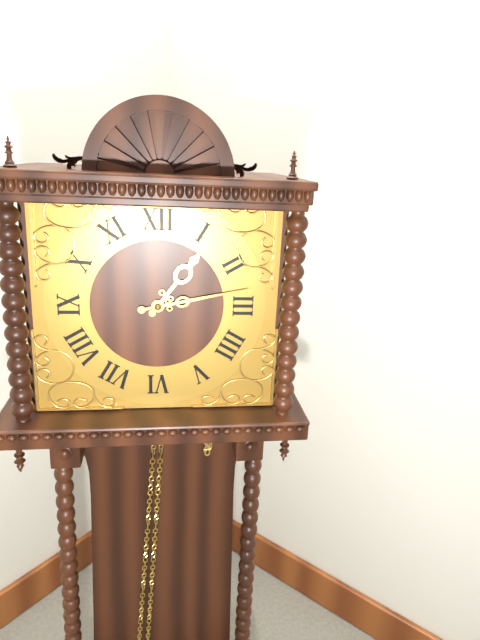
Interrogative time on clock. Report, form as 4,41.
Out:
1,13
